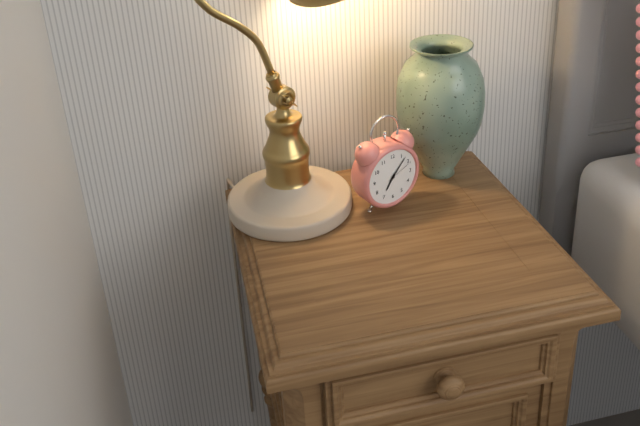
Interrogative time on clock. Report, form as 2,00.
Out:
7,07
